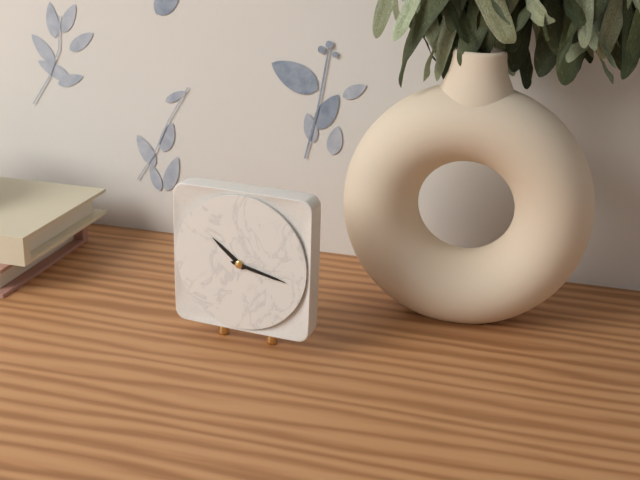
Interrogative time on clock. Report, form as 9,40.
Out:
10,17
